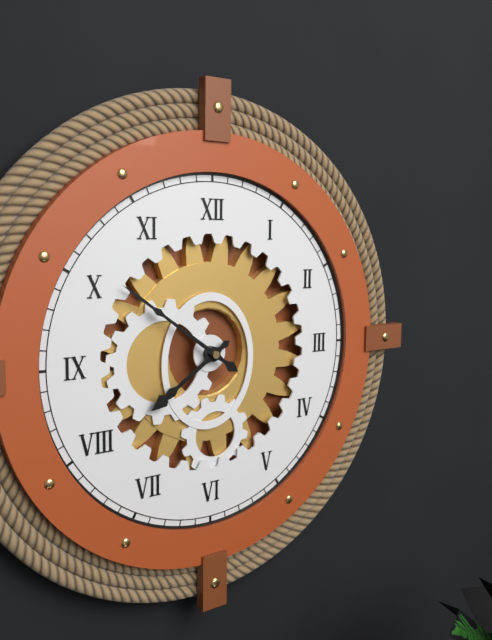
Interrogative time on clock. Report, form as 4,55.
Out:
7,51
